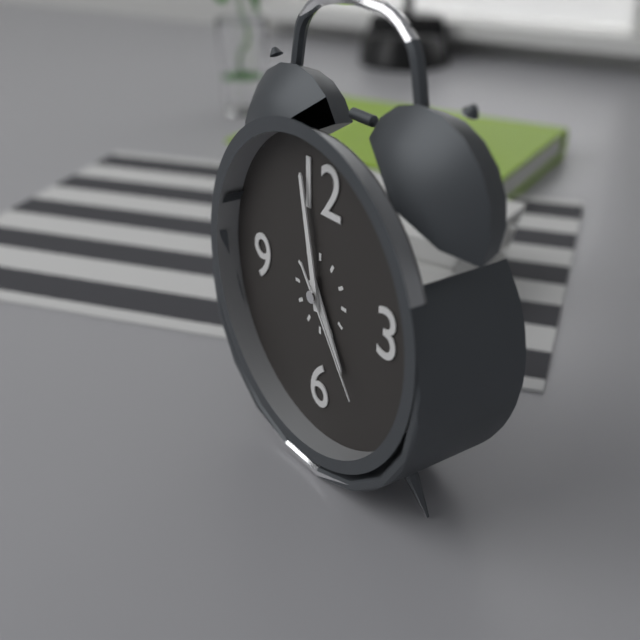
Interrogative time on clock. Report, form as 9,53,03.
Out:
4,58,24
